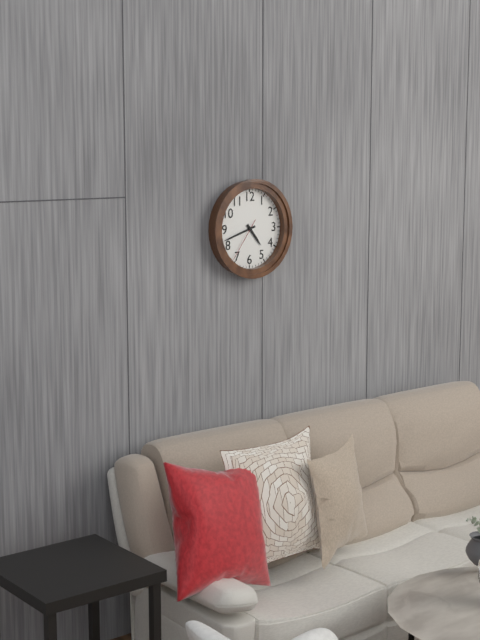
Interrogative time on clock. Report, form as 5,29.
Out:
4,42
